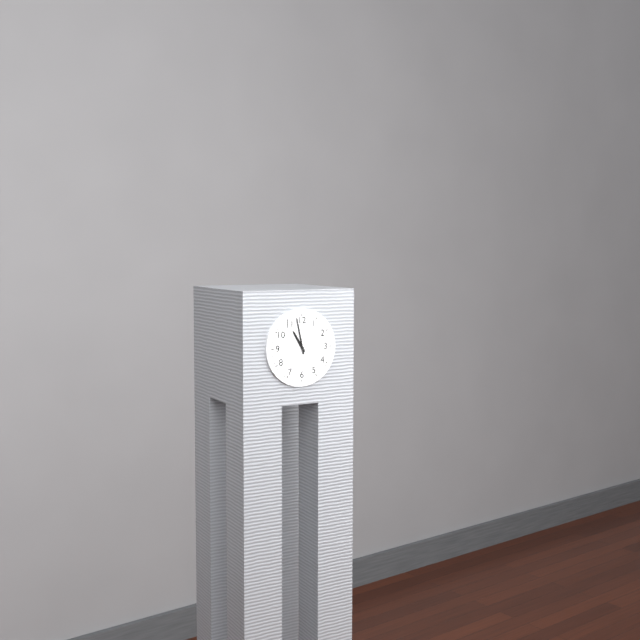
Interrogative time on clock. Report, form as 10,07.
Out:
10,58
